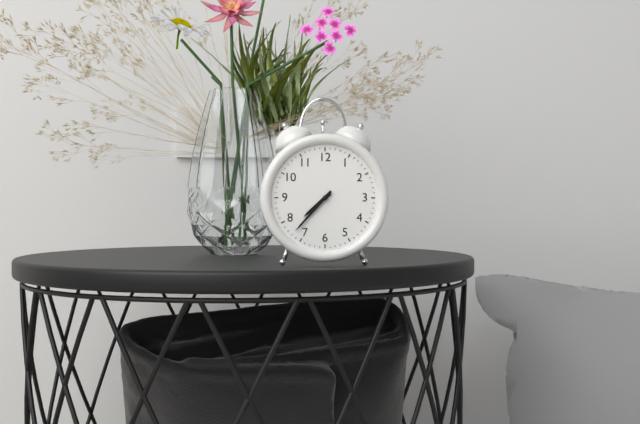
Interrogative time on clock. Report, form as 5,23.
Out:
7,37
